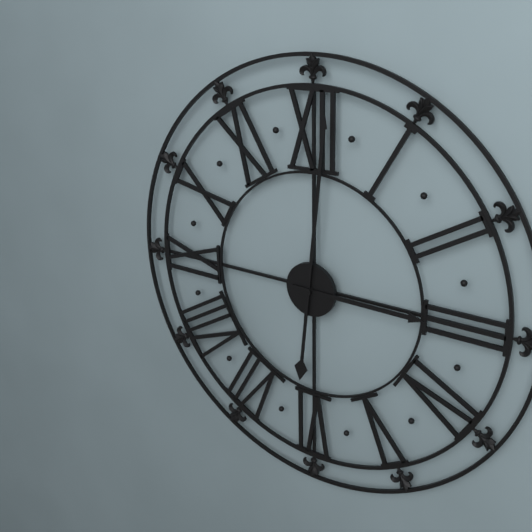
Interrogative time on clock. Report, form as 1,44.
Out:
3,01
